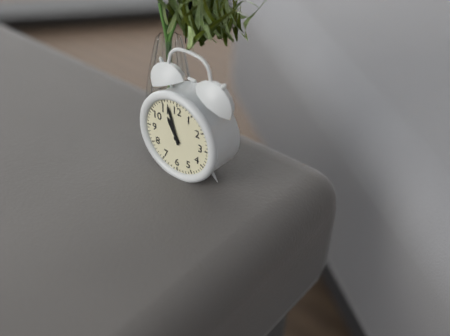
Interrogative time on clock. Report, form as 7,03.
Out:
10,57
